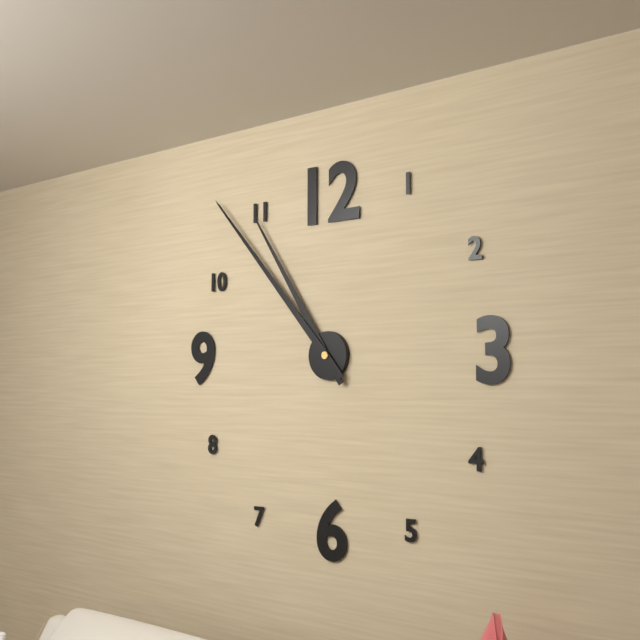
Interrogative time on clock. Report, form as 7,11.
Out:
10,53
